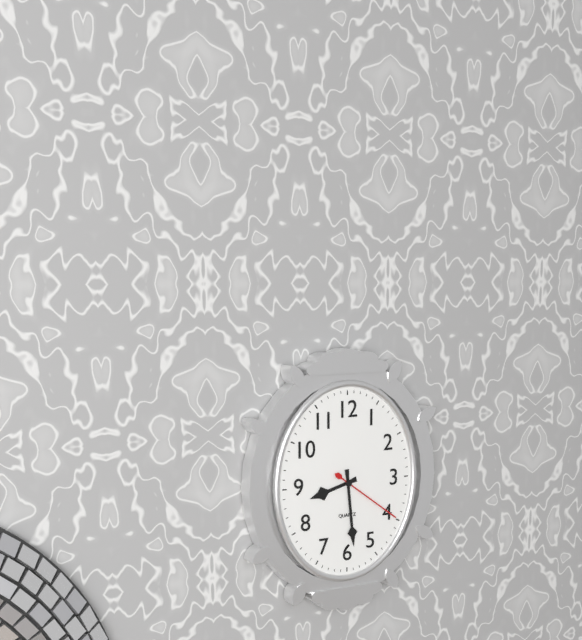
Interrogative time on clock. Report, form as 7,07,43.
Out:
8,29,21
